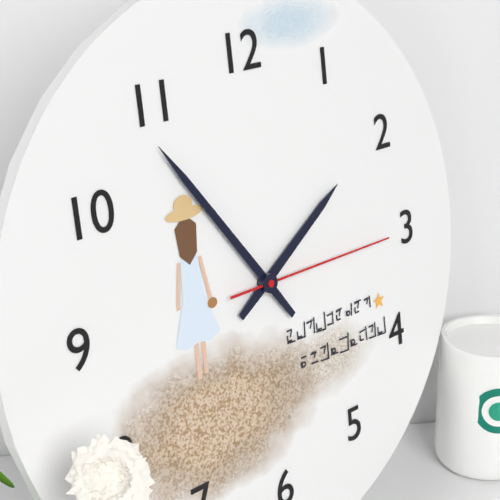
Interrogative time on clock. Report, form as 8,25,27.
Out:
1,54,15
